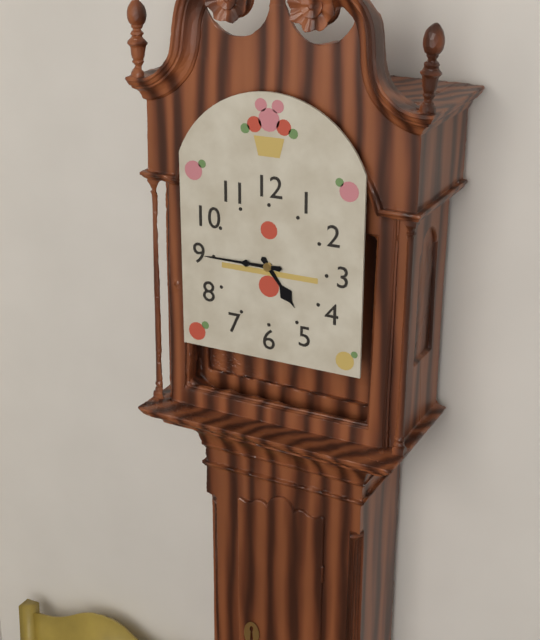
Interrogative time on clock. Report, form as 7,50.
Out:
4,45
